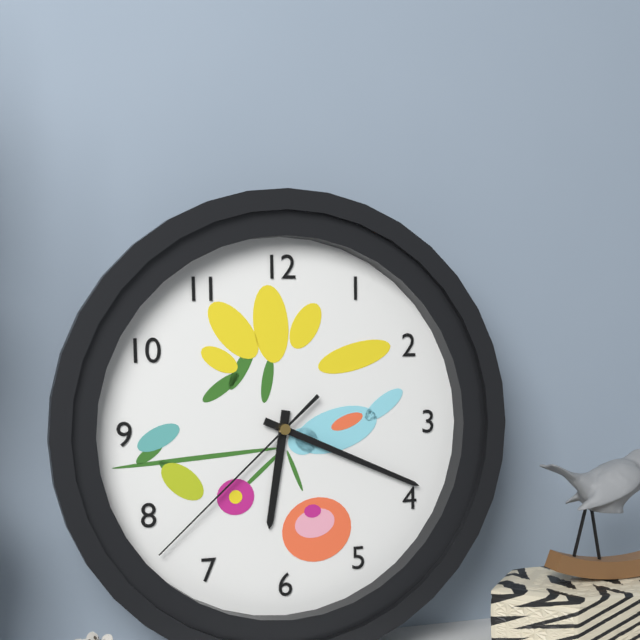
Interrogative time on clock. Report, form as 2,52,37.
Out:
6,19,38
